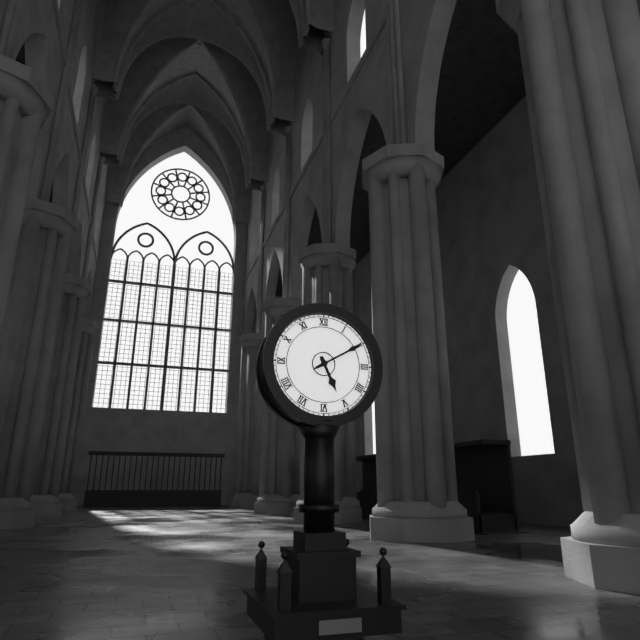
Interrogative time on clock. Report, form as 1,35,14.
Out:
5,10,10
